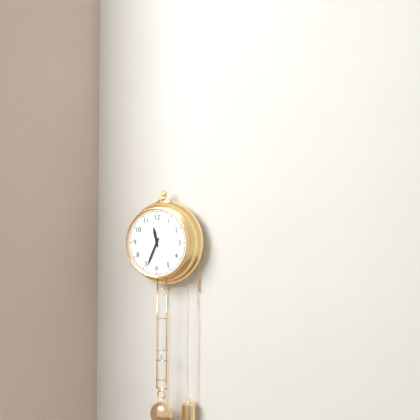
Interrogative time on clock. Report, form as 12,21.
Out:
11,34
